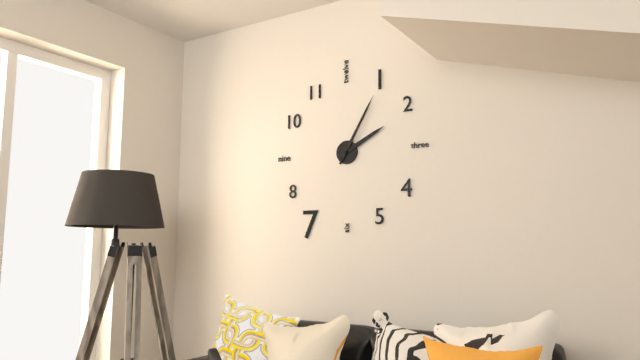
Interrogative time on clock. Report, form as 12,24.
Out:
2,05
